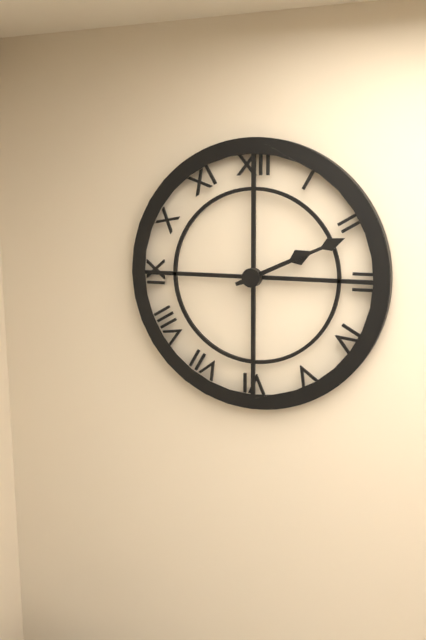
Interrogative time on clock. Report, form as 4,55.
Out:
2,11
